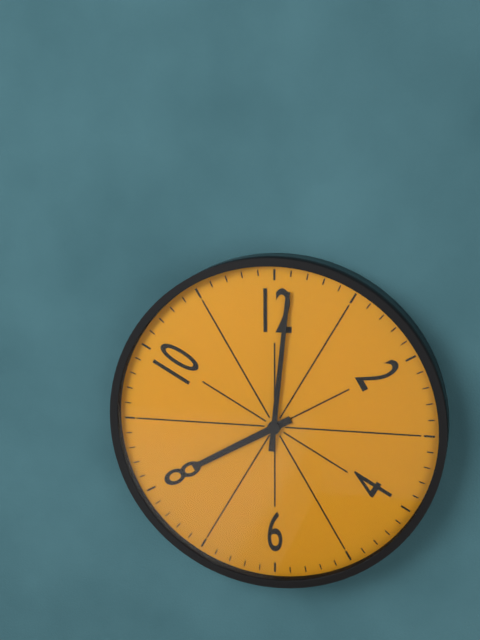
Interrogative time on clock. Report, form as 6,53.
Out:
8,01
